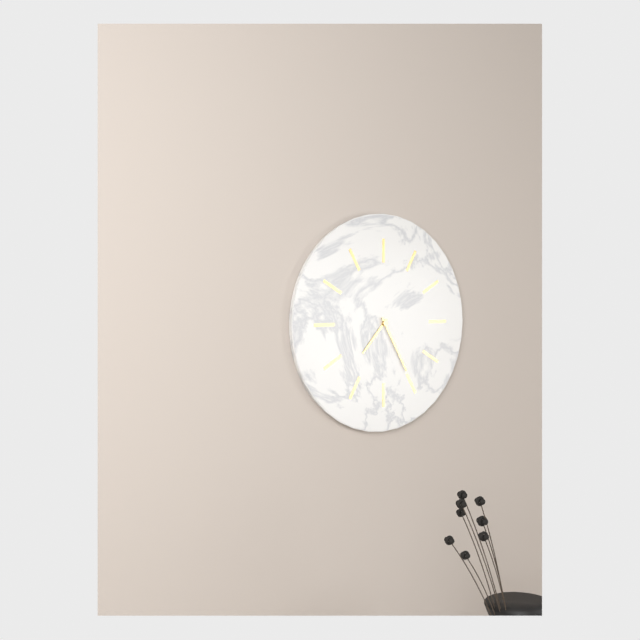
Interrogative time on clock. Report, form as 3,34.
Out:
7,25
